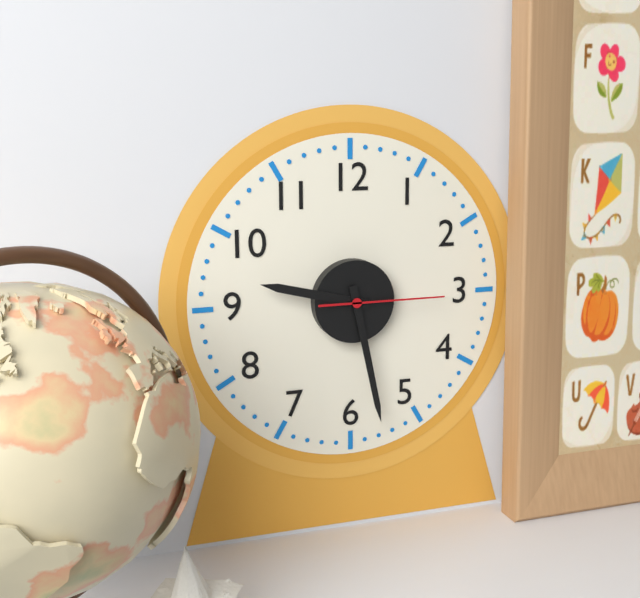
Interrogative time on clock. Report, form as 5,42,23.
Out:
9,28,15
